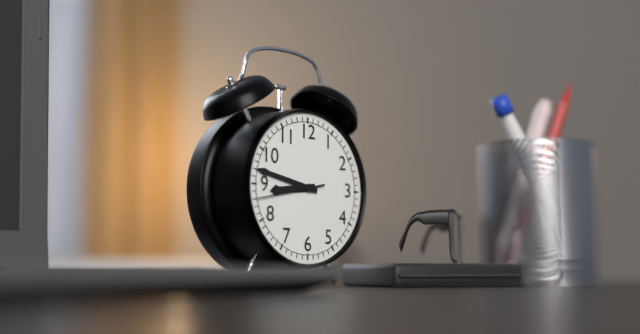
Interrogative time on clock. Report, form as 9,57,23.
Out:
8,47,43
